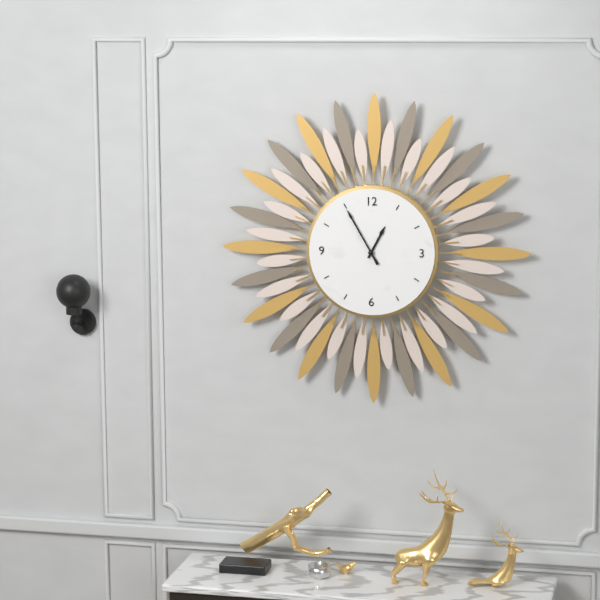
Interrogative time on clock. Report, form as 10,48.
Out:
12,55
